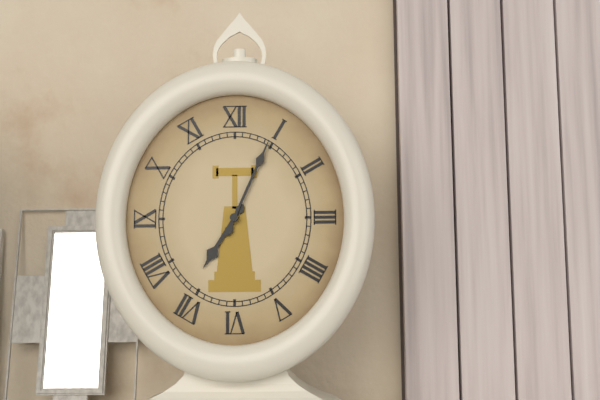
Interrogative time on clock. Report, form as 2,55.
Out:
7,04
